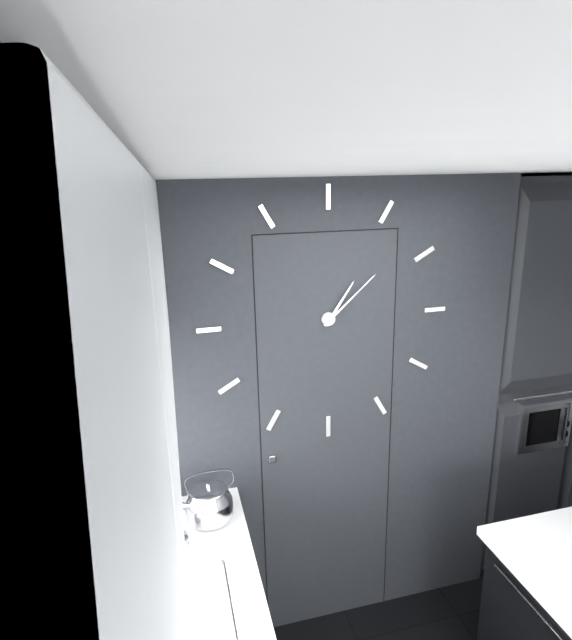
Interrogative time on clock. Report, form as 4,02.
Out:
1,08
